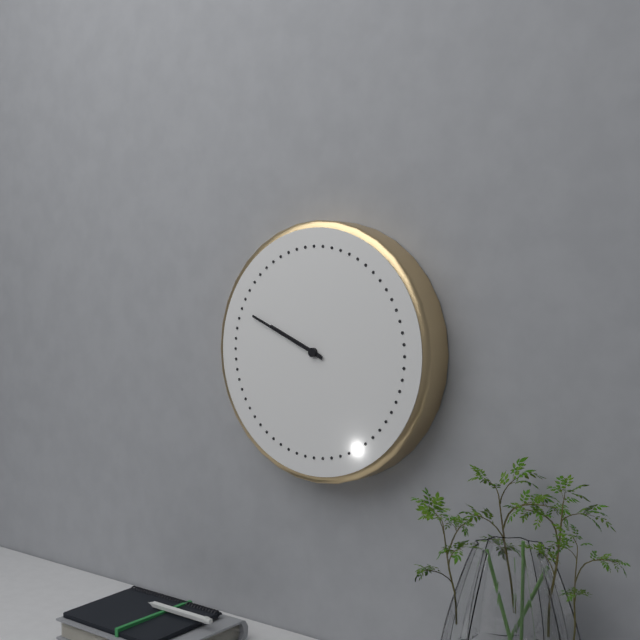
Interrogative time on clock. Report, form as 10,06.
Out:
9,49
